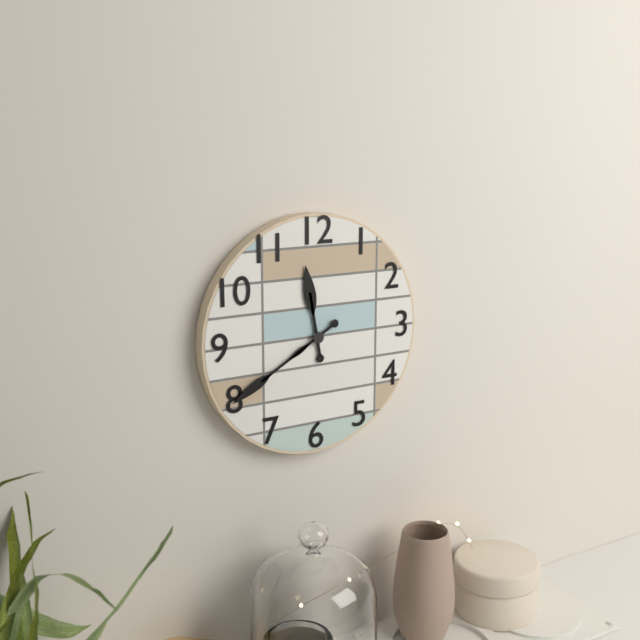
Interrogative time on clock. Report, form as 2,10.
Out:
11,40
